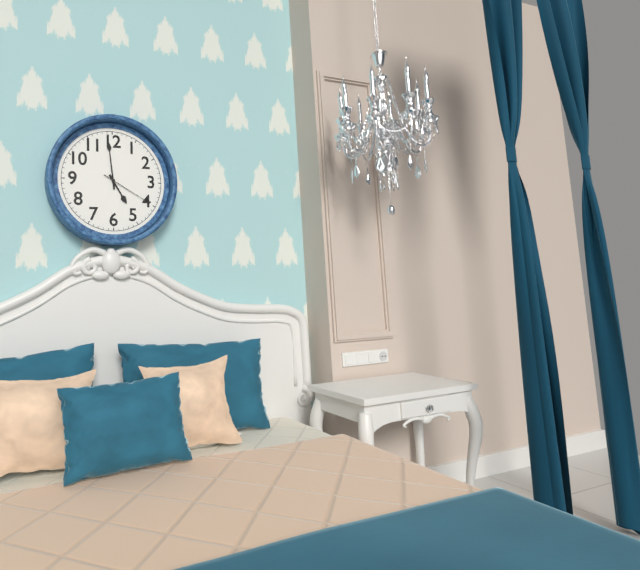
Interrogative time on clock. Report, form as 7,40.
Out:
4,59
